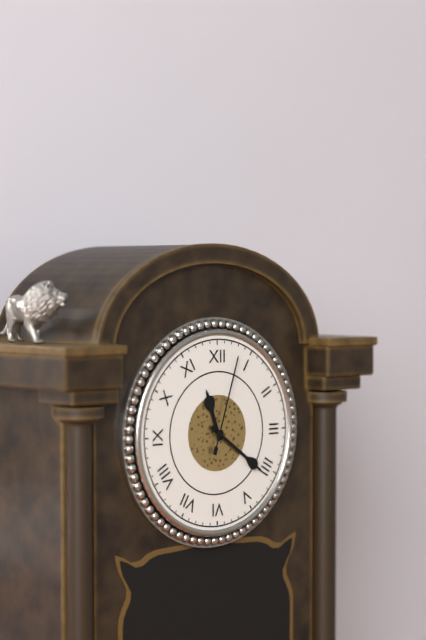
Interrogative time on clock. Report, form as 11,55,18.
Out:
11,21,03
